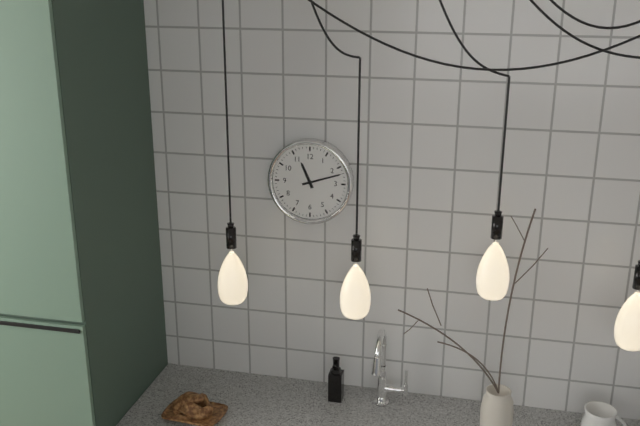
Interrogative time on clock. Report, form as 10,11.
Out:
11,12
